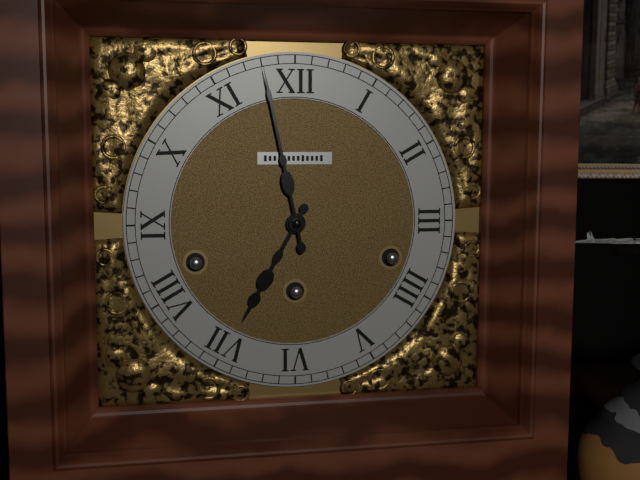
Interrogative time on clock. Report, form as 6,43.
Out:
6,58
